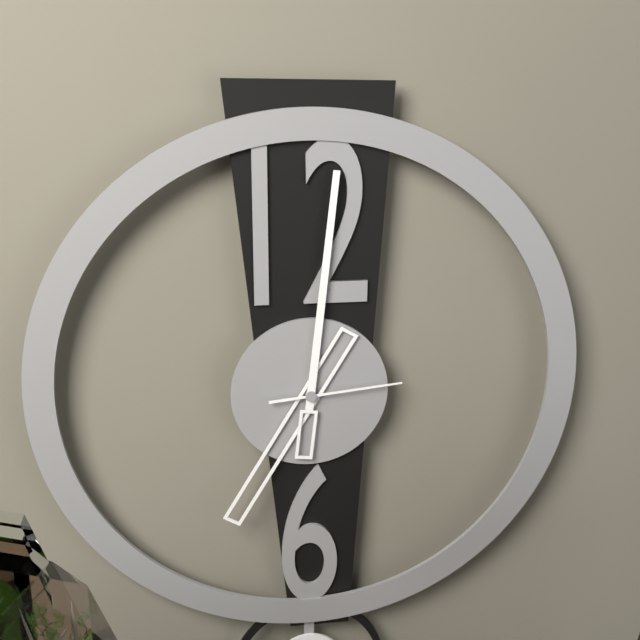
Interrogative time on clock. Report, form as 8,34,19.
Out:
7,01,14
